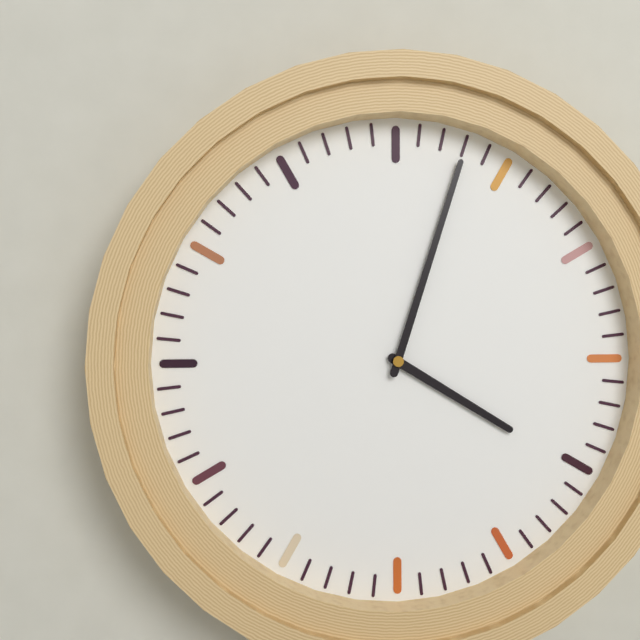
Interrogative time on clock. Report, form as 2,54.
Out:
4,03
